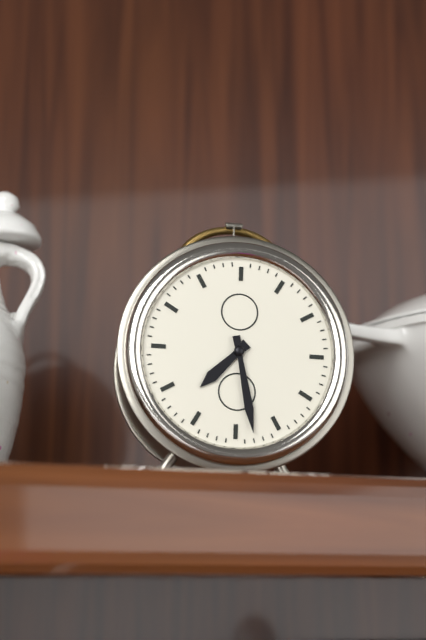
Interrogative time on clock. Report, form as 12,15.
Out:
7,28
